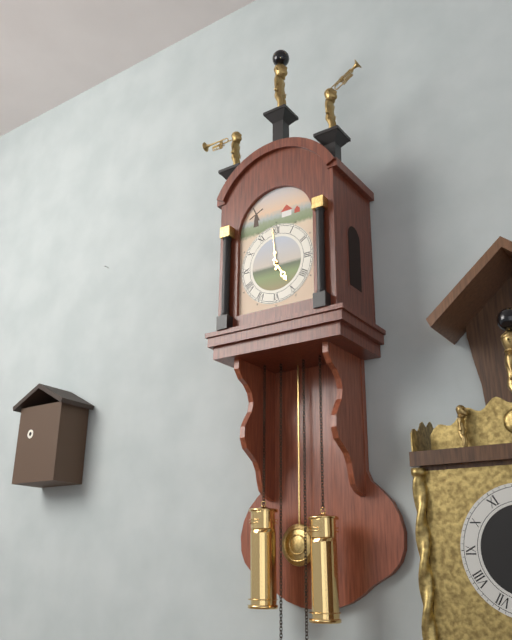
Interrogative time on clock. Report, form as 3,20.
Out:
4,59
